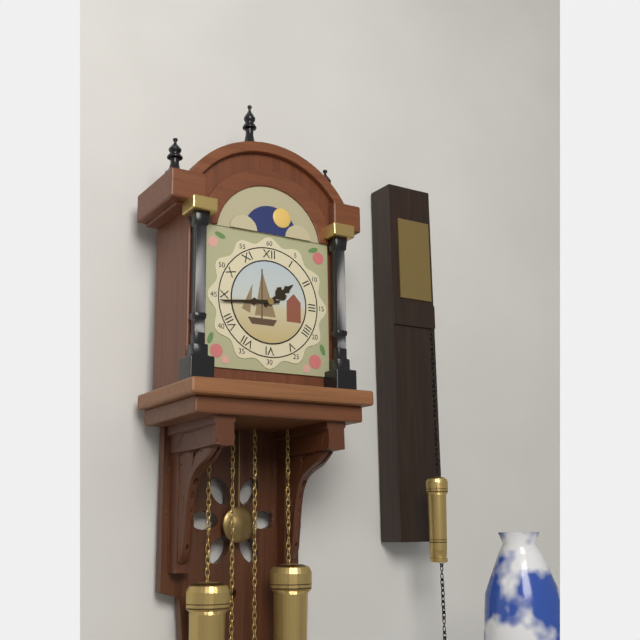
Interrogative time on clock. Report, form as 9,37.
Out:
1,44
